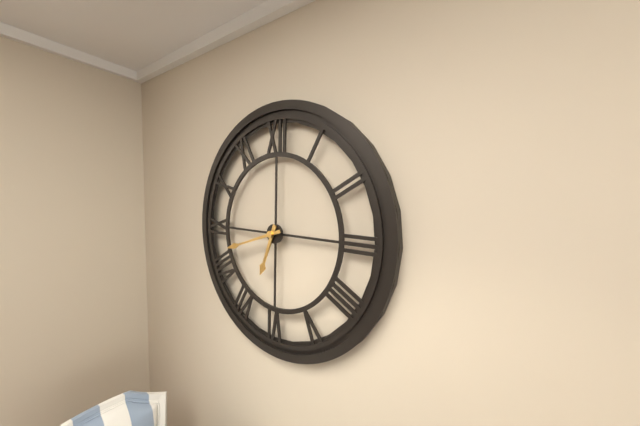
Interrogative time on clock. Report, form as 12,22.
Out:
6,42
